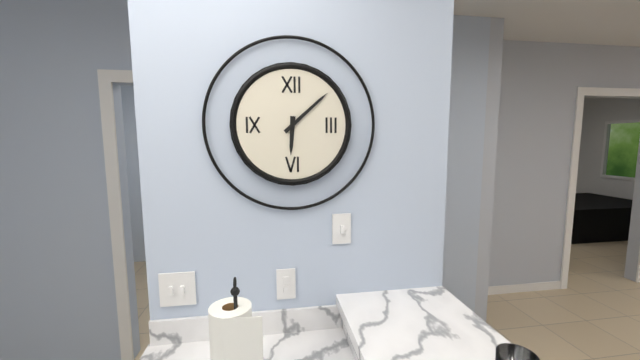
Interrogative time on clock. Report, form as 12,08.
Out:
6,08
